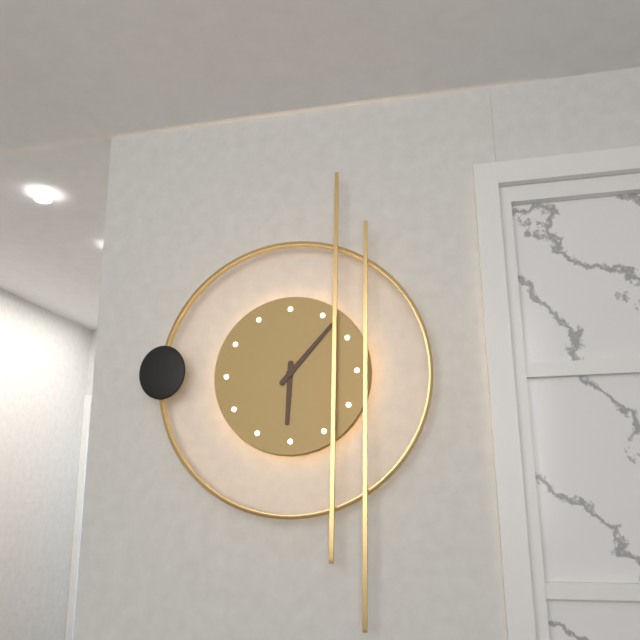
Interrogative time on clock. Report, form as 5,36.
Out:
6,07
